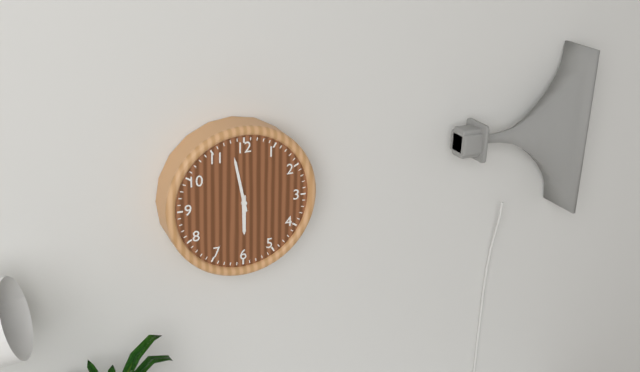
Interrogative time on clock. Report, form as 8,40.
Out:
5,58
